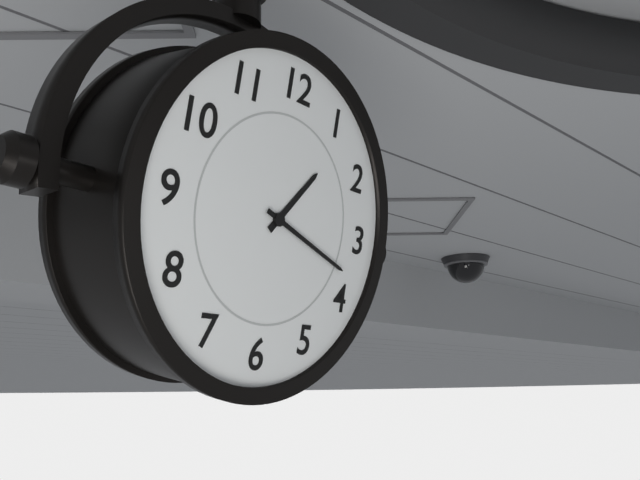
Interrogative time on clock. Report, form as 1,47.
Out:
1,18
